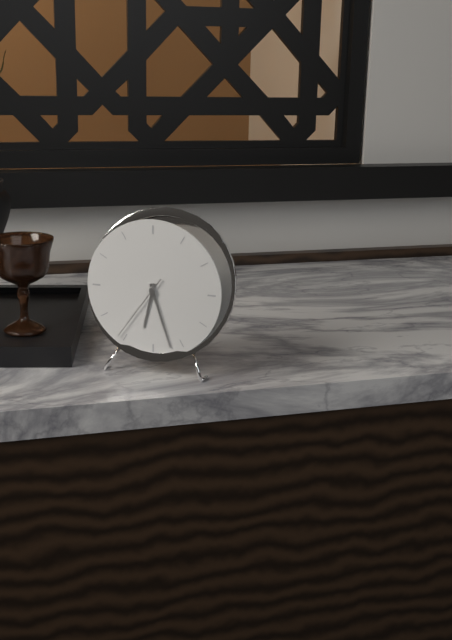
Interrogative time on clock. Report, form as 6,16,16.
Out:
6,27,36
